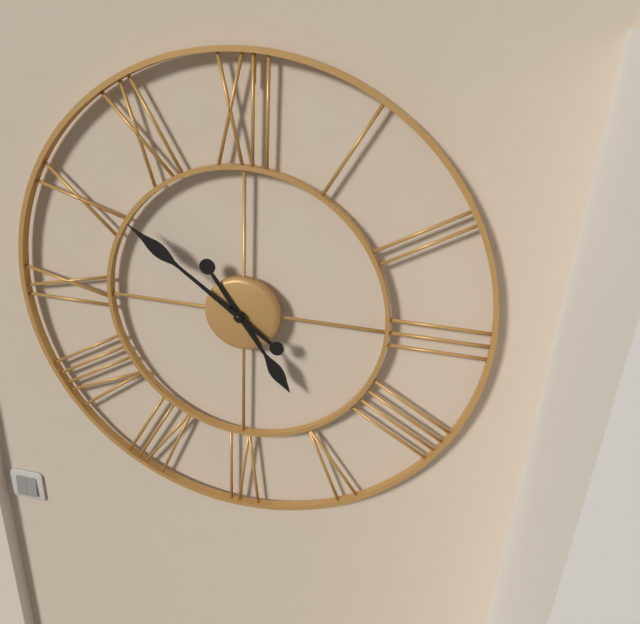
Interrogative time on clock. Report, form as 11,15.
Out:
4,51
